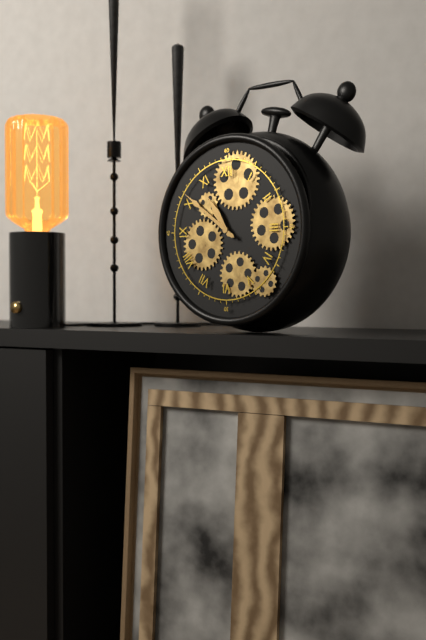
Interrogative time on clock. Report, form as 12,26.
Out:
10,51
